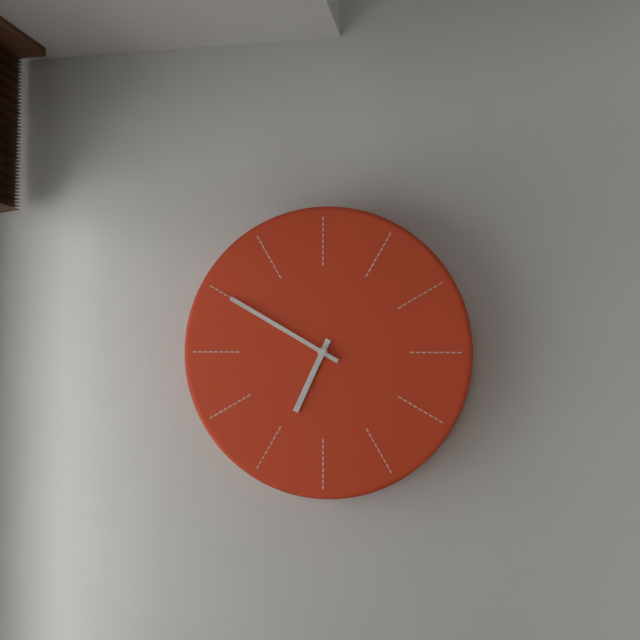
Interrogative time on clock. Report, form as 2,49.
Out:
6,50
